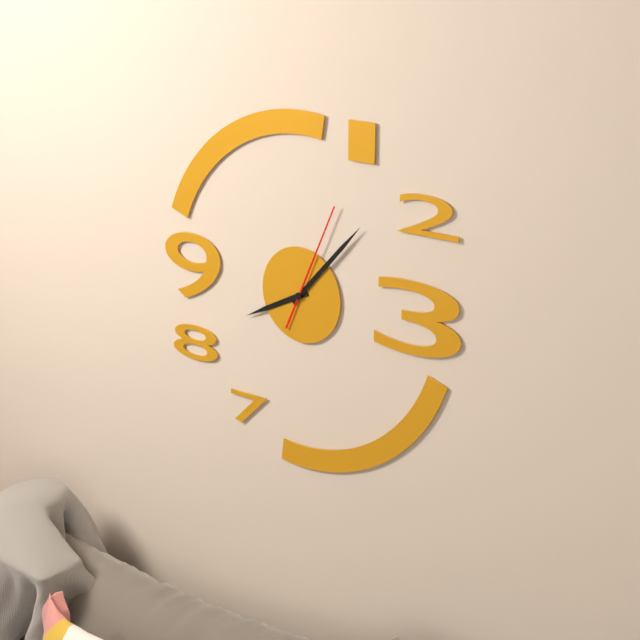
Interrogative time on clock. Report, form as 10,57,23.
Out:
8,07,04
